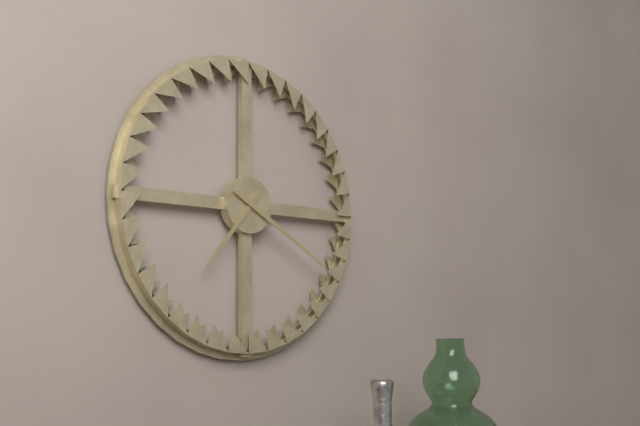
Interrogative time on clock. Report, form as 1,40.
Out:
7,20
